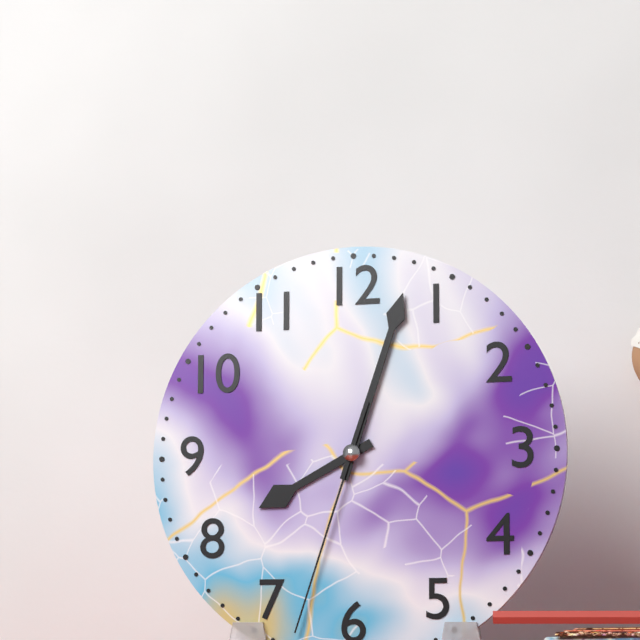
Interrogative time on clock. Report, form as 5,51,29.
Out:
8,03,33
